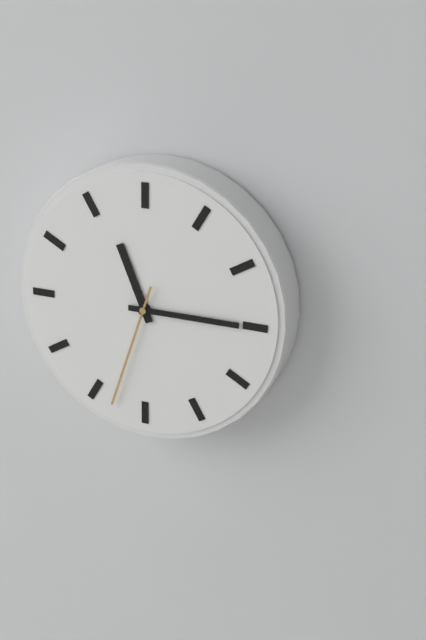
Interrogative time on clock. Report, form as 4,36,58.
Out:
11,15,33
